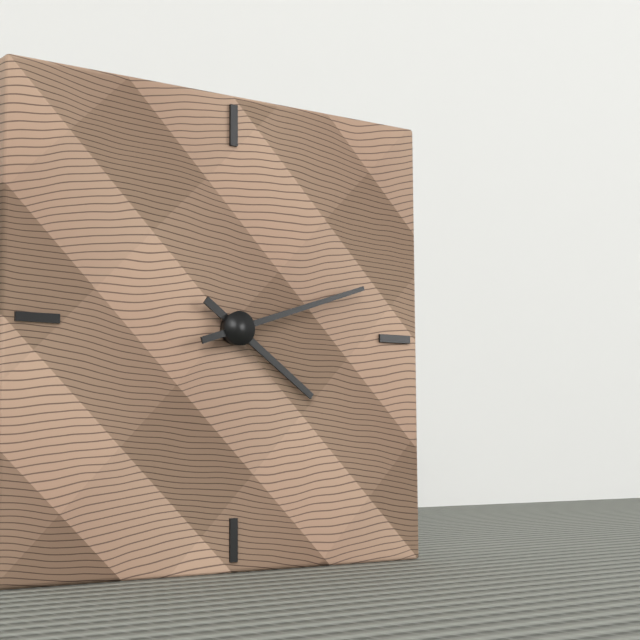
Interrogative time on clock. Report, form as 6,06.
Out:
4,12
